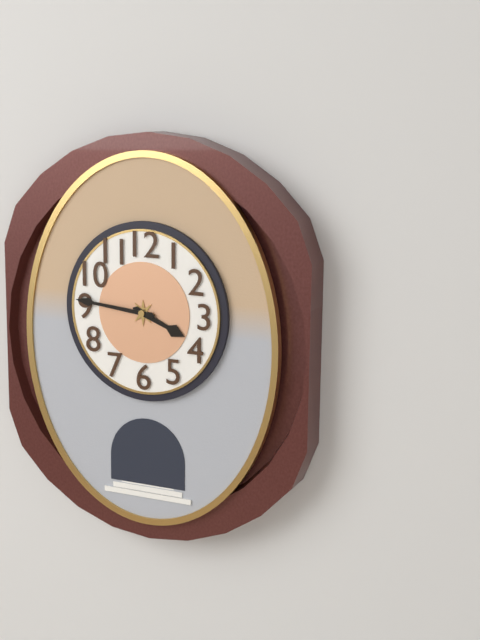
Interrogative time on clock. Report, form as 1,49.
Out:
3,46
